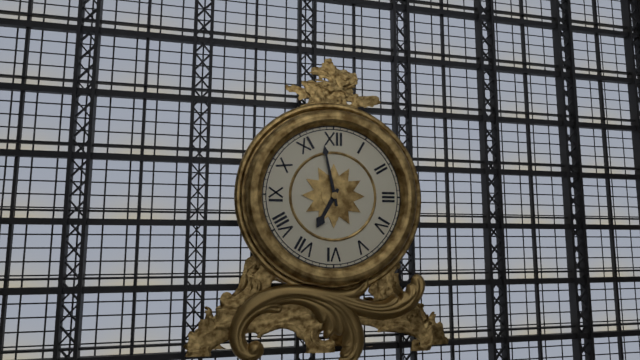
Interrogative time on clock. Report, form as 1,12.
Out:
6,58
